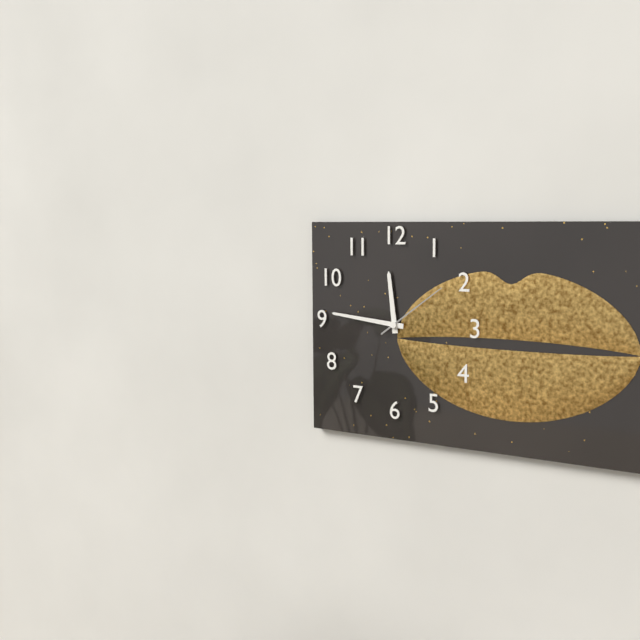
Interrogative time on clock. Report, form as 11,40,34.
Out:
11,46,09
